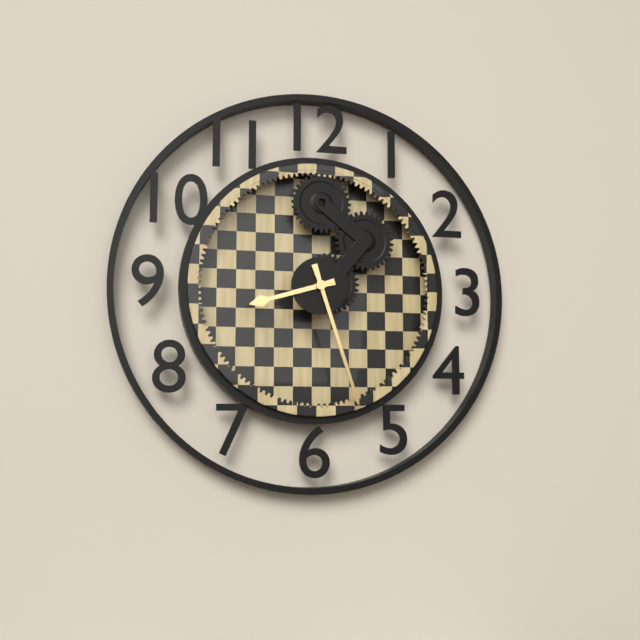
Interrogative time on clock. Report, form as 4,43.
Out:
8,27
